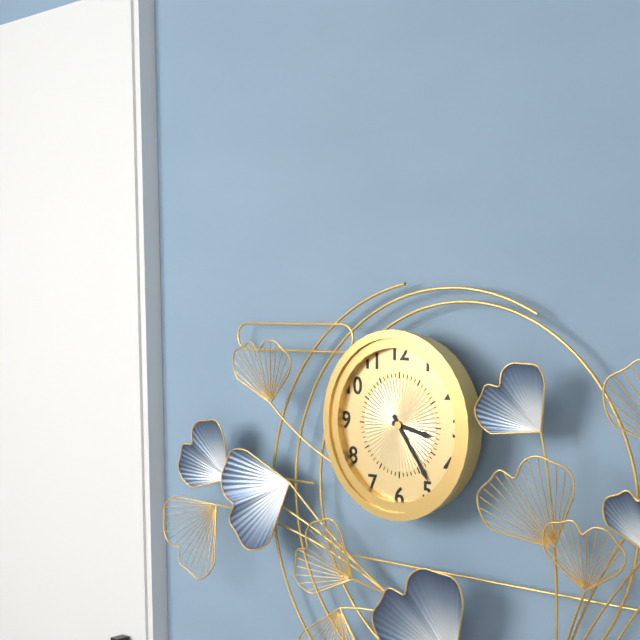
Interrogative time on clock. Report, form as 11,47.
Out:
3,24
